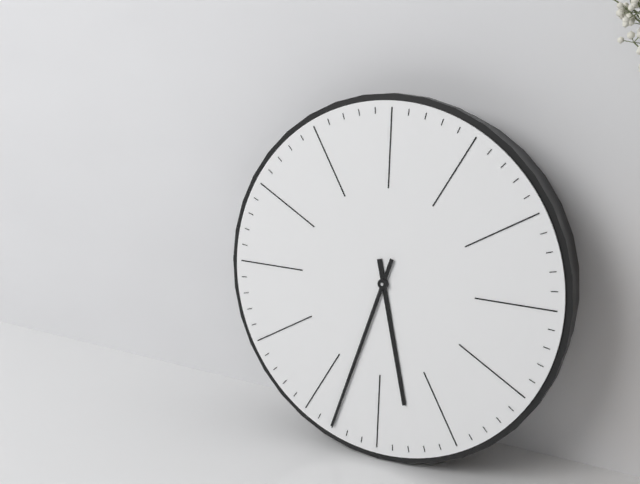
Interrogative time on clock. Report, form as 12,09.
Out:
5,33
